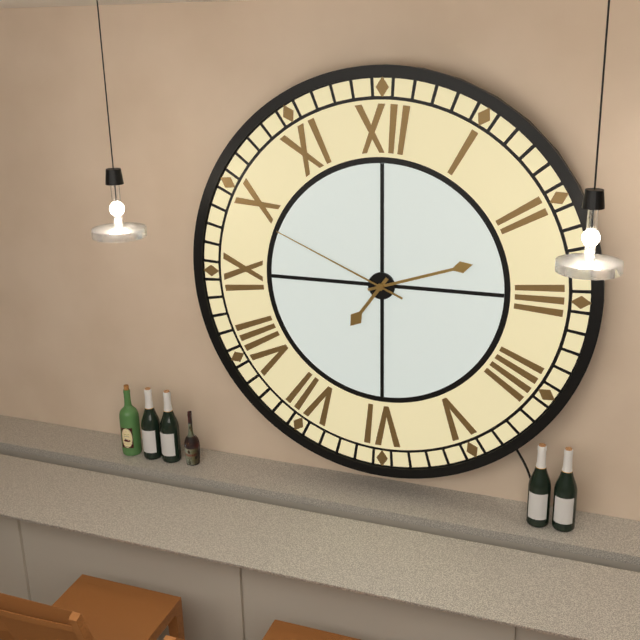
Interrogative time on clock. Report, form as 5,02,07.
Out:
7,12,49
